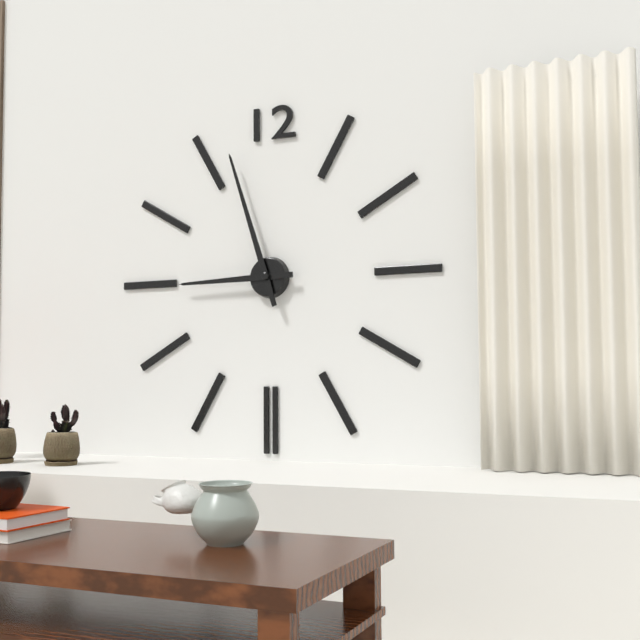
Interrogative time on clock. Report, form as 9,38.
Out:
8,57
